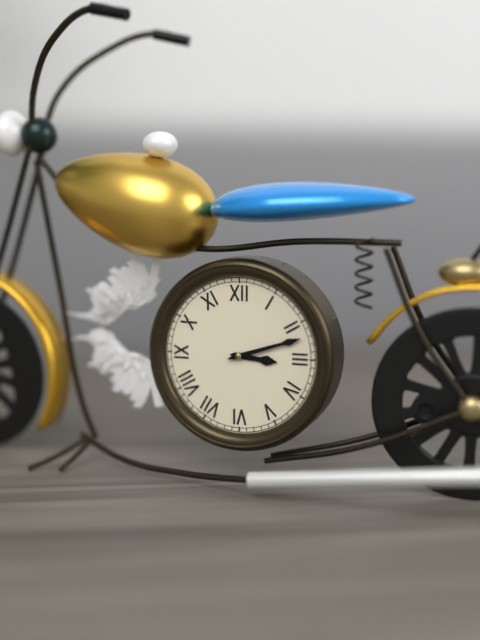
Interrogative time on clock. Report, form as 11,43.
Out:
3,12
